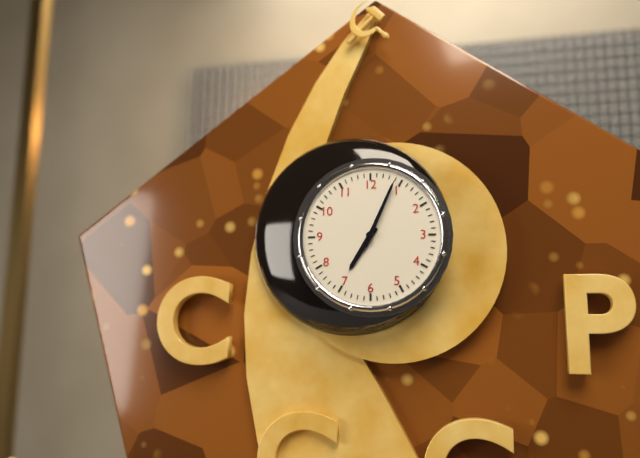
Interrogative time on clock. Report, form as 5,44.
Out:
7,04
